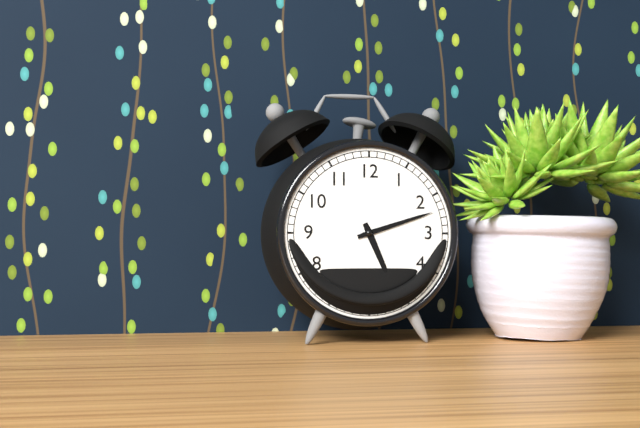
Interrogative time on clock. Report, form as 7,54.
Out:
5,12
